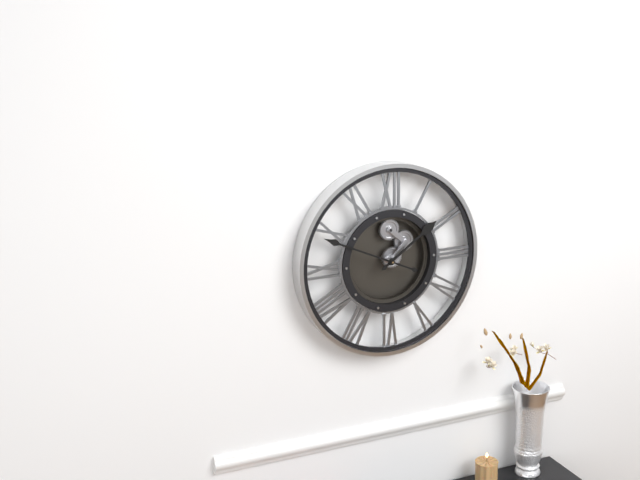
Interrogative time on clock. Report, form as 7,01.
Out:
1,49
